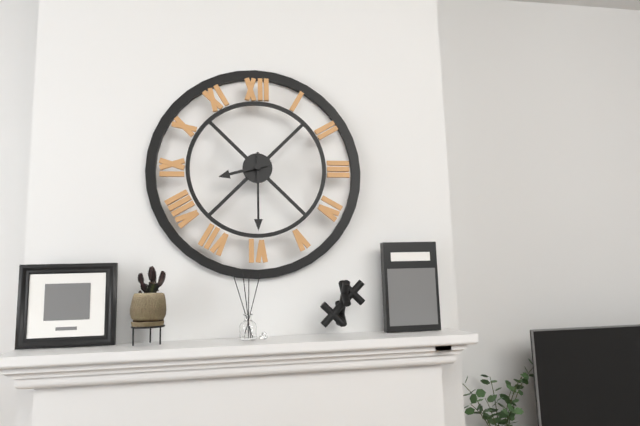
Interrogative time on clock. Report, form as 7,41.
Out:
8,30
